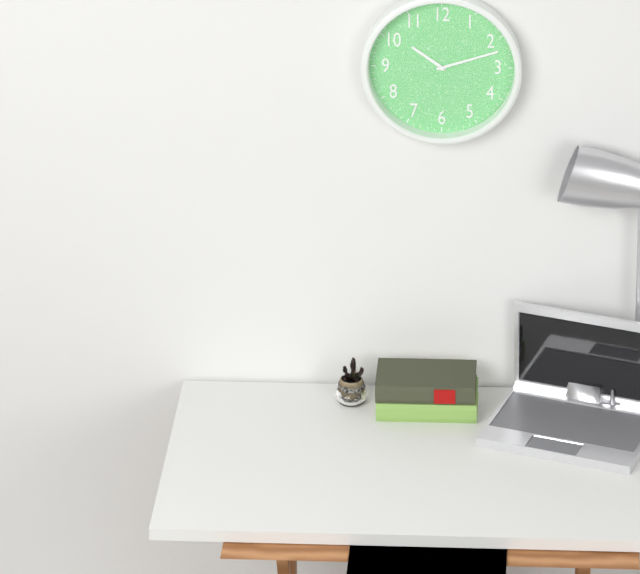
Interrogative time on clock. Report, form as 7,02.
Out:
10,12
